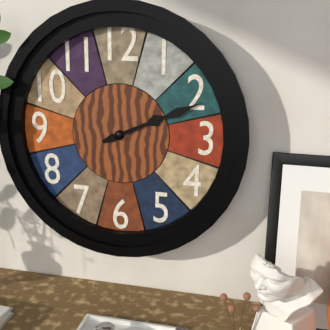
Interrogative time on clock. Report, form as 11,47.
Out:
2,11
